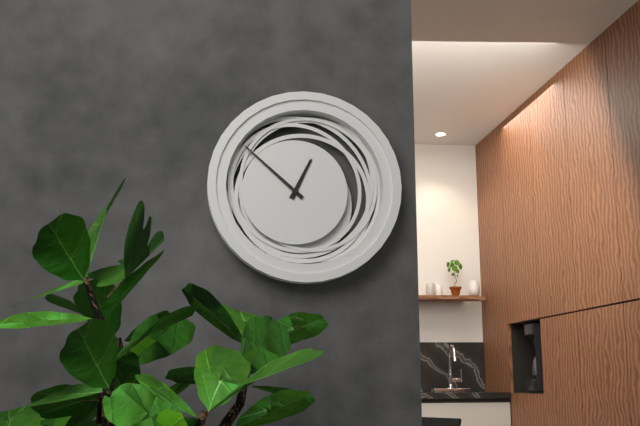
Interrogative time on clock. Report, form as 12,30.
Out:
12,52
